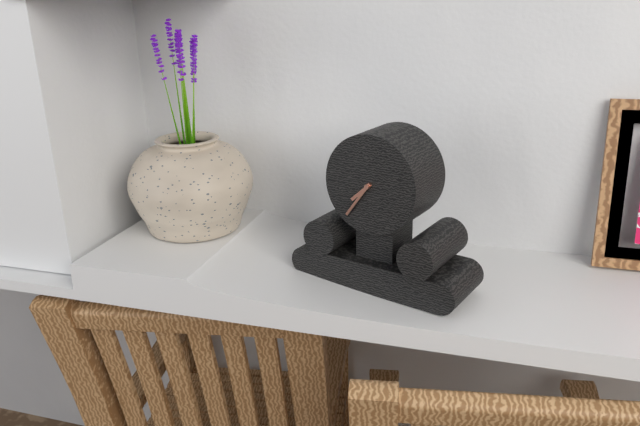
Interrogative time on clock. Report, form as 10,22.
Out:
7,36
